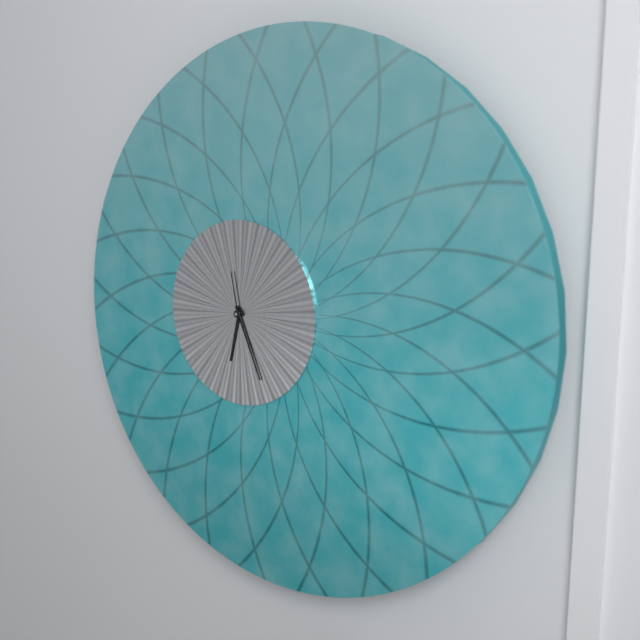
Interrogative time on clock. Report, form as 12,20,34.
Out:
6,26,58
